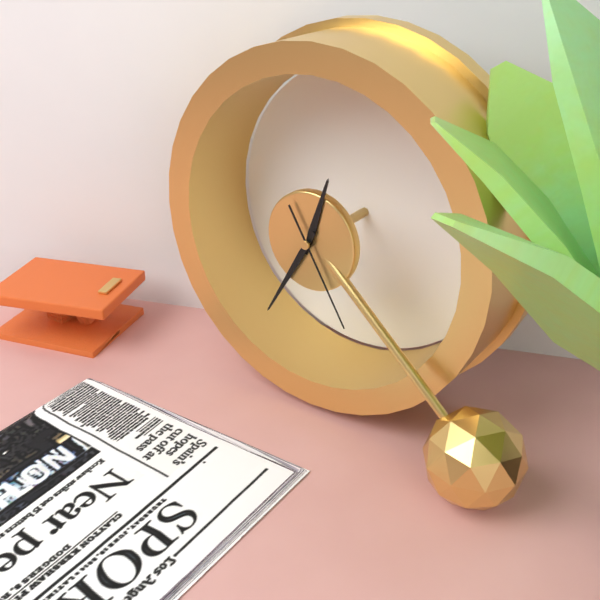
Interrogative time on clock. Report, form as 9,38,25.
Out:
12,35,25
